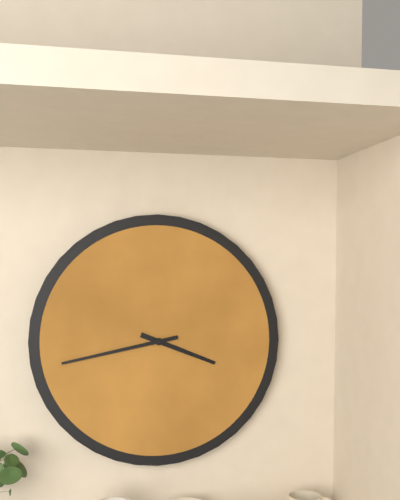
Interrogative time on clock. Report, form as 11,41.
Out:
3,43
